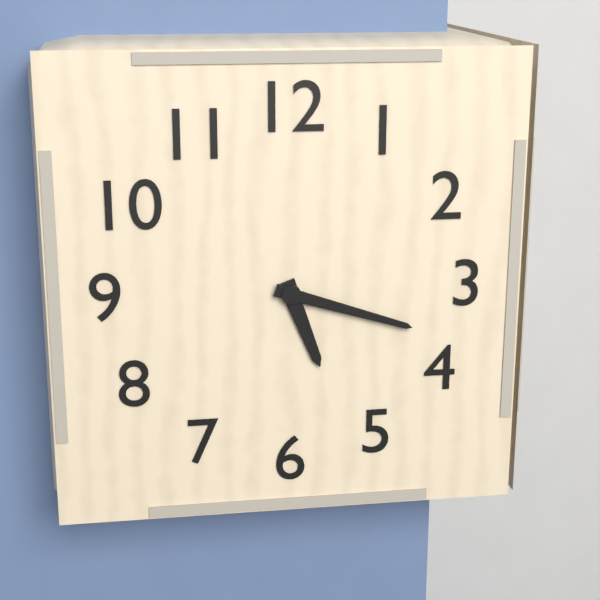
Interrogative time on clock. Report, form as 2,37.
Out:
5,18
